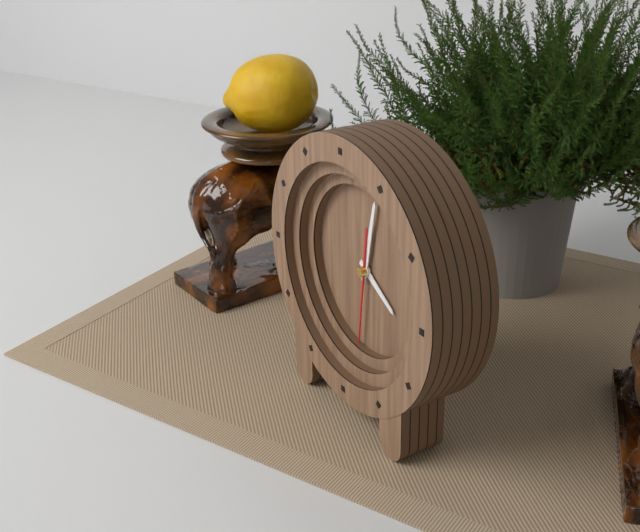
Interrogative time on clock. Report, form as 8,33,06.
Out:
4,02,31
